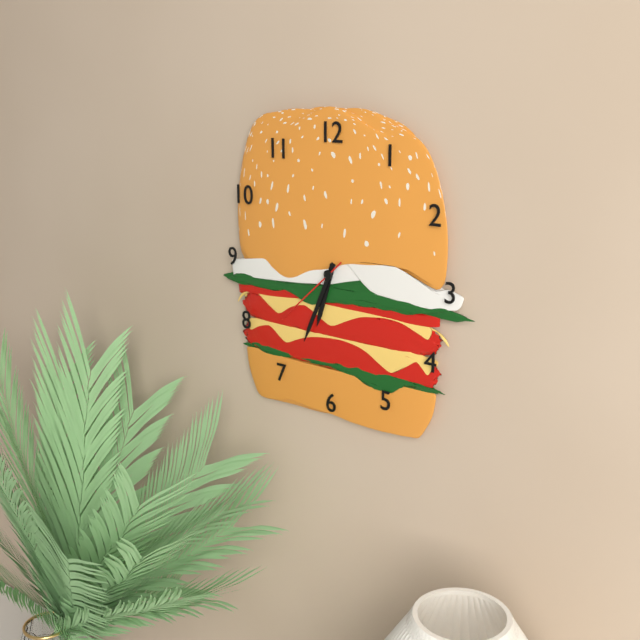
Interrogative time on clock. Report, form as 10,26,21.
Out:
6,34,38
